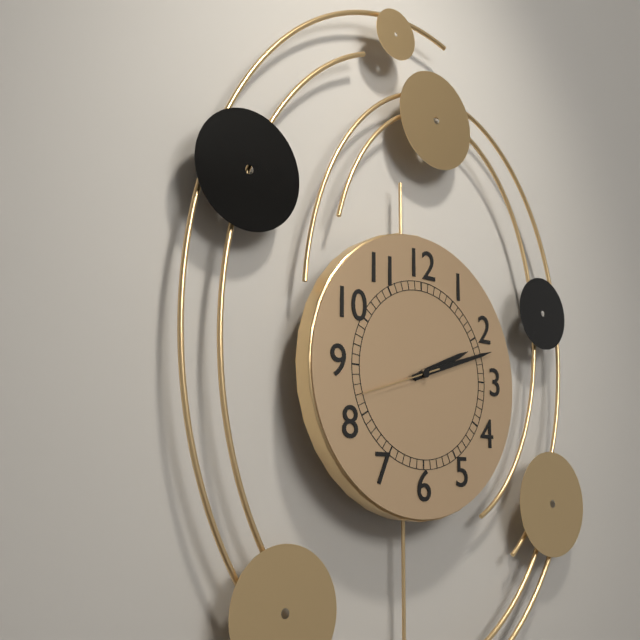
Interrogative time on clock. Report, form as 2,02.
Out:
2,12
